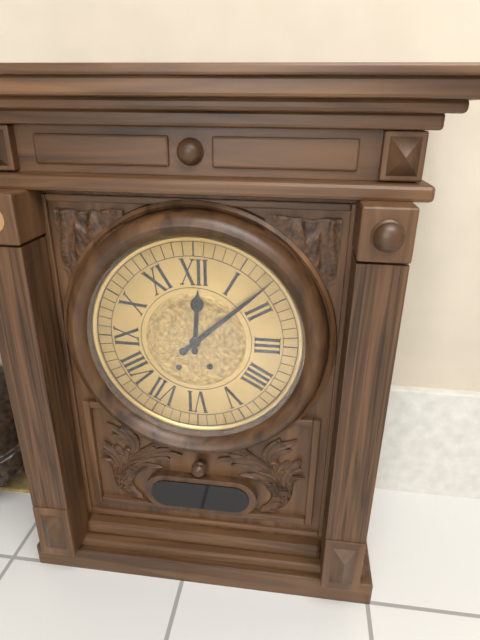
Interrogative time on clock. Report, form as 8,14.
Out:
12,08
